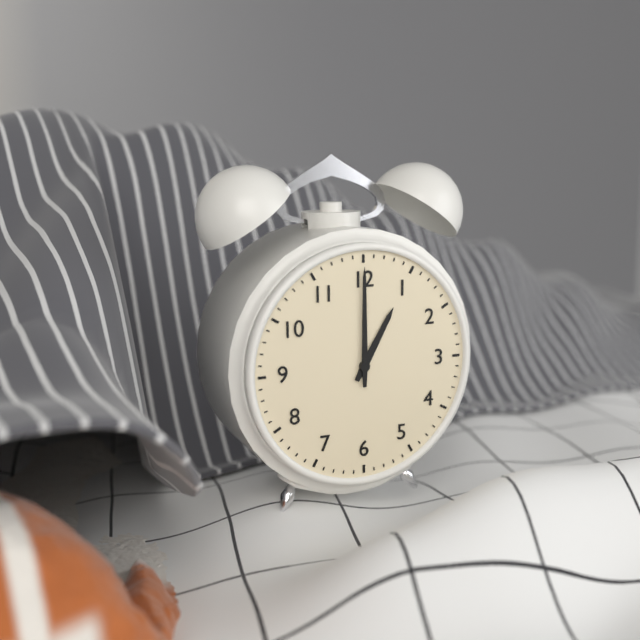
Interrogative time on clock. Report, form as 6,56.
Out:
1,00
